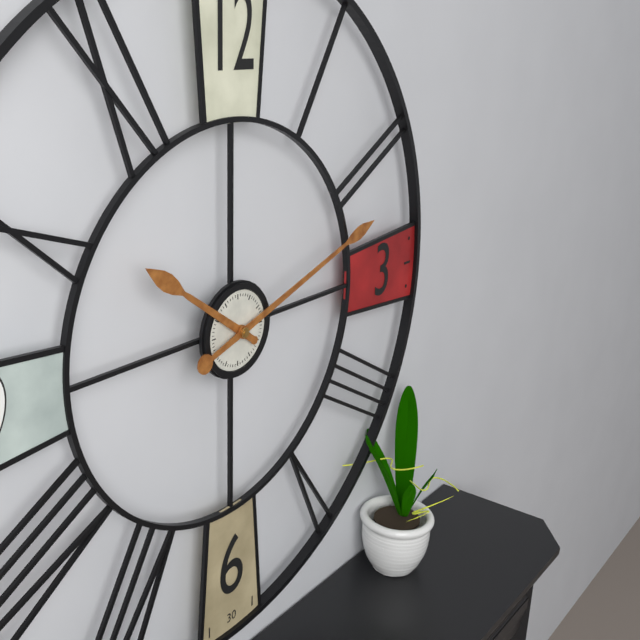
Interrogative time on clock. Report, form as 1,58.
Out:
10,12
